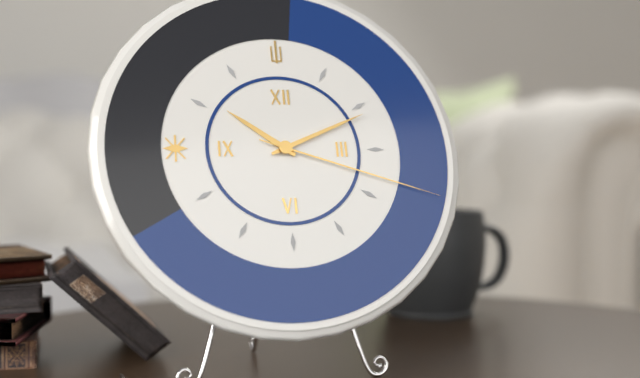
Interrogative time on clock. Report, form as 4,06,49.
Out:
10,11,18
